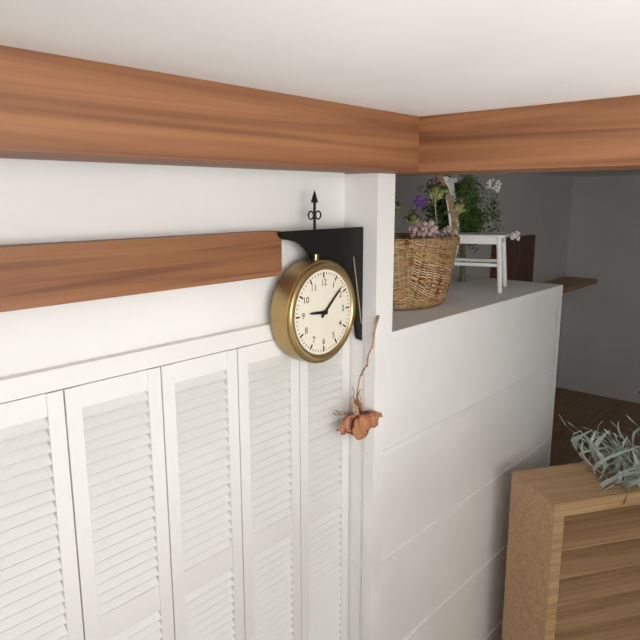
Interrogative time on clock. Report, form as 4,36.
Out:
9,08
